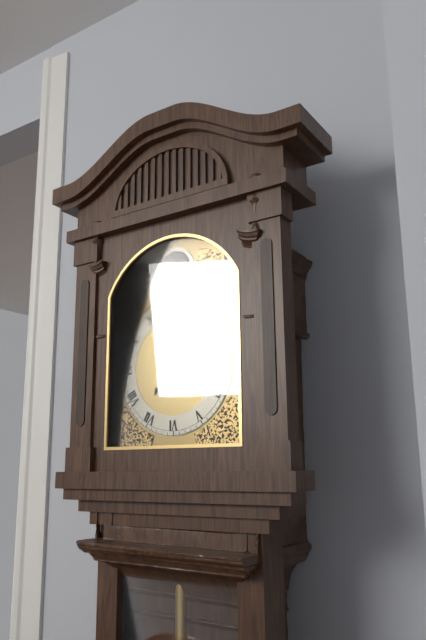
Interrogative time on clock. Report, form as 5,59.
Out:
7,17
